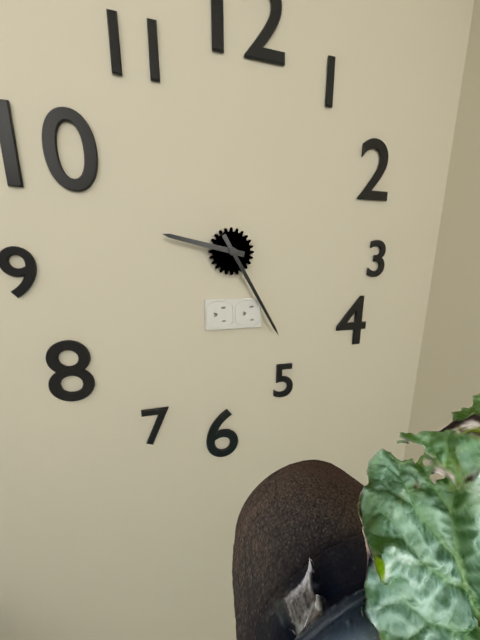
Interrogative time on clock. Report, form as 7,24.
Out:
9,25
